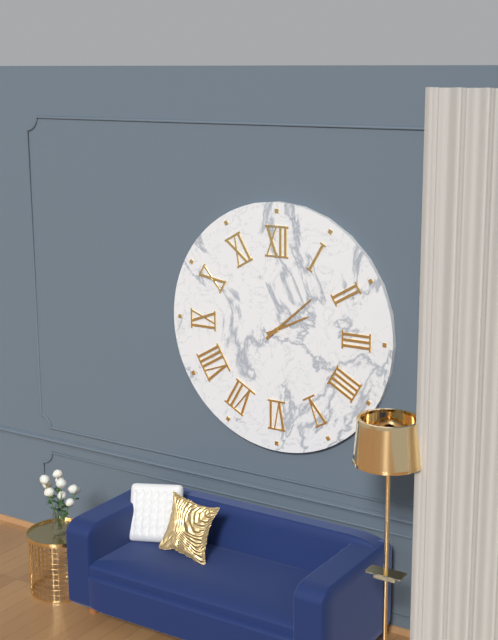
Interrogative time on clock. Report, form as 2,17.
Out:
2,08
